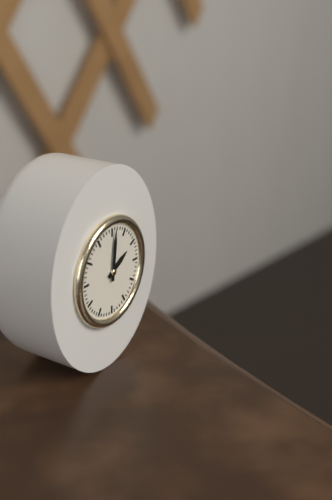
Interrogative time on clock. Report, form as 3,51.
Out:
2,01
